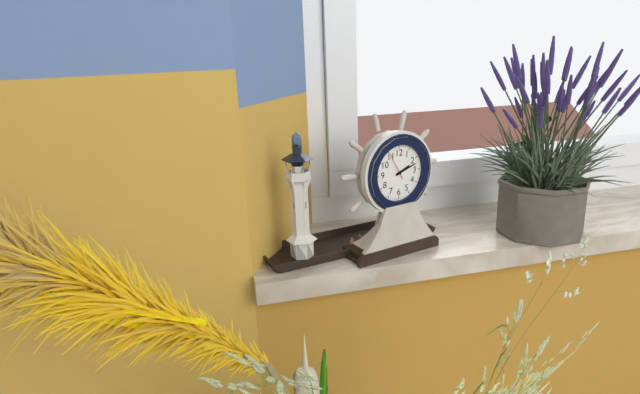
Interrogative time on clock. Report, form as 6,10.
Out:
2,12
